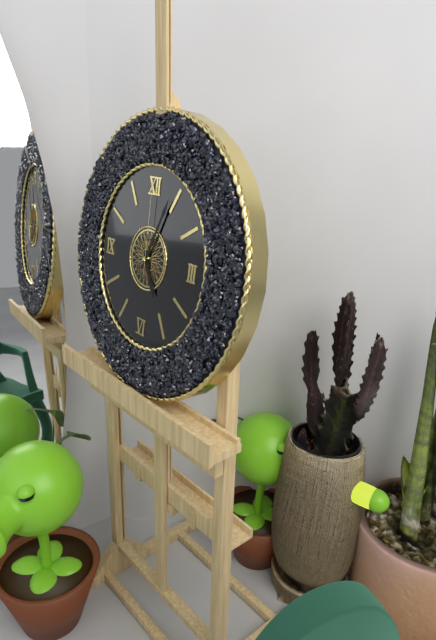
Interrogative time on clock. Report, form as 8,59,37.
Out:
5,04,00
